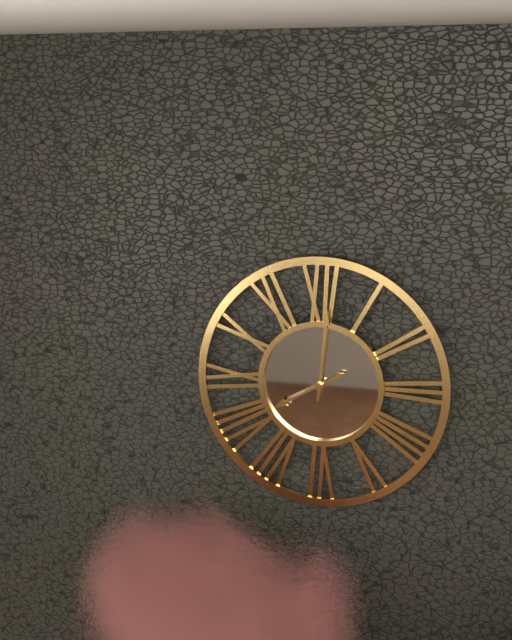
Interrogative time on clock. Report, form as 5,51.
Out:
8,01
